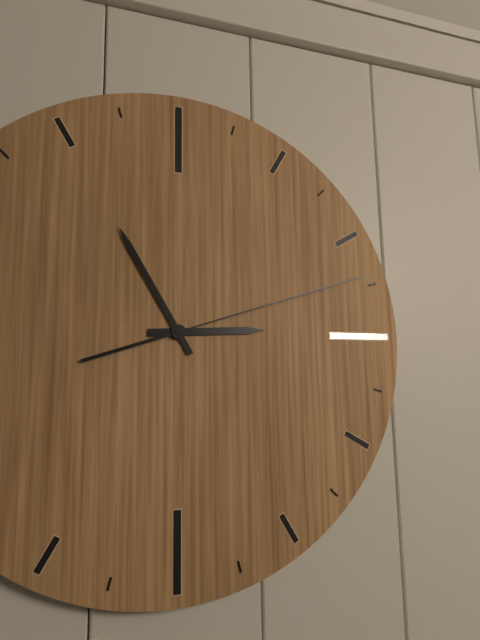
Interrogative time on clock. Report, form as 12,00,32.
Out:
2,55,12
